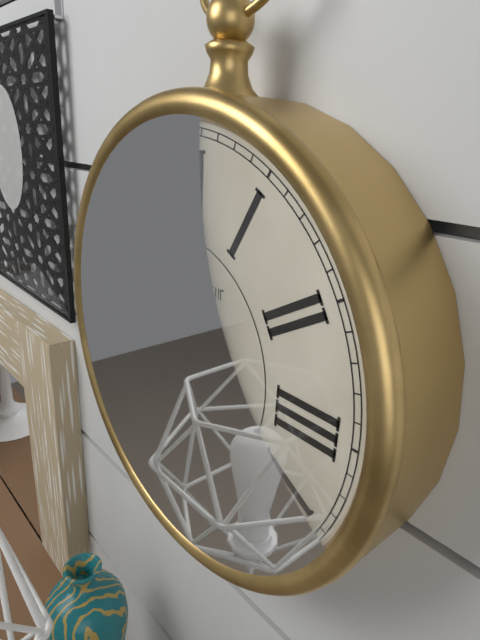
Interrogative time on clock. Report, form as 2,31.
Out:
9,28
